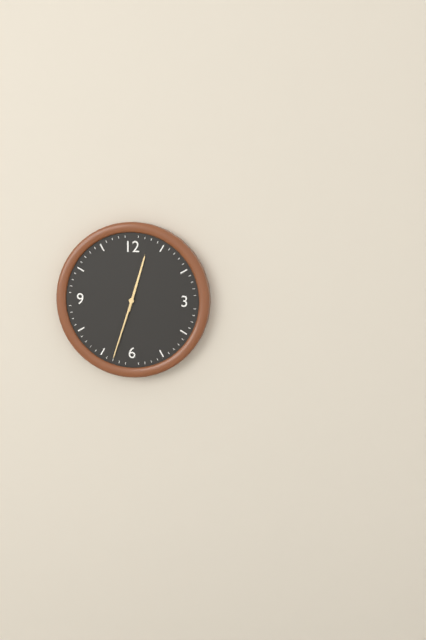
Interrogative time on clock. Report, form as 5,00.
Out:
12,33
